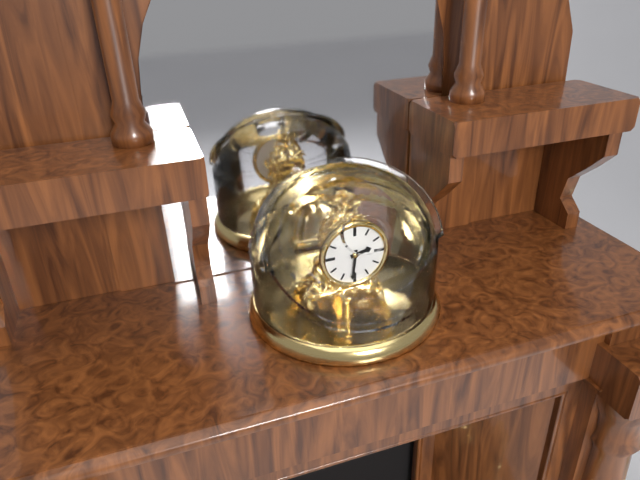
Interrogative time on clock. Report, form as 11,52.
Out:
2,31
